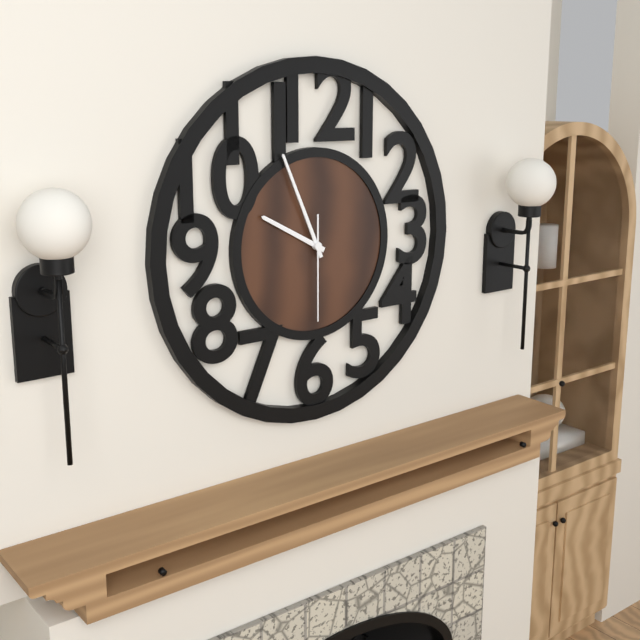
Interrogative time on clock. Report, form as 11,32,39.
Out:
9,56,30
